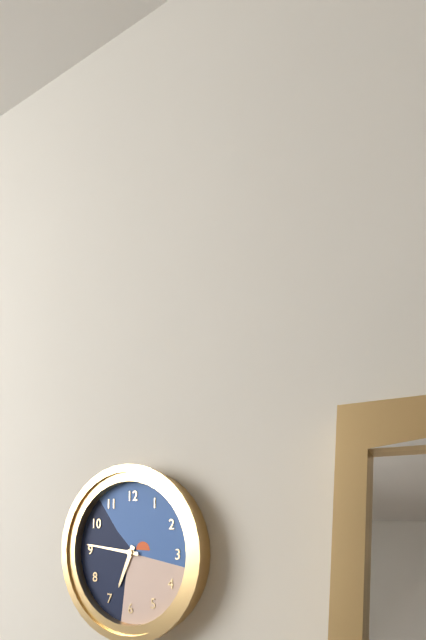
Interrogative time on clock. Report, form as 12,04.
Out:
6,46
